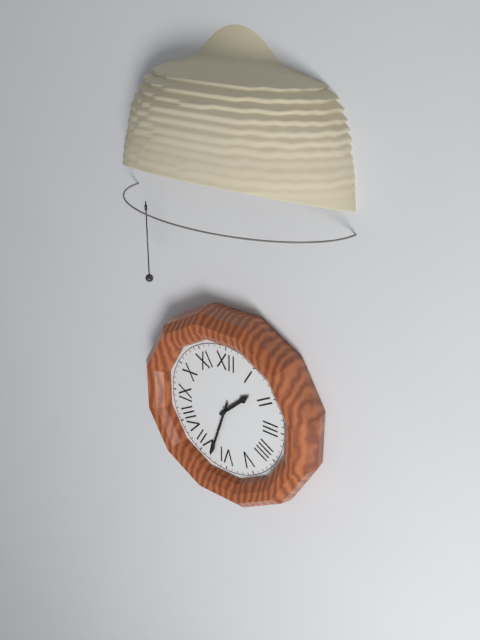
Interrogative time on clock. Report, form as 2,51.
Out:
1,33
